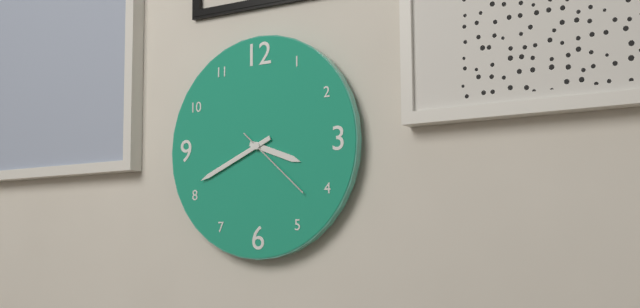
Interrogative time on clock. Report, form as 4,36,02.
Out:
3,41,22
